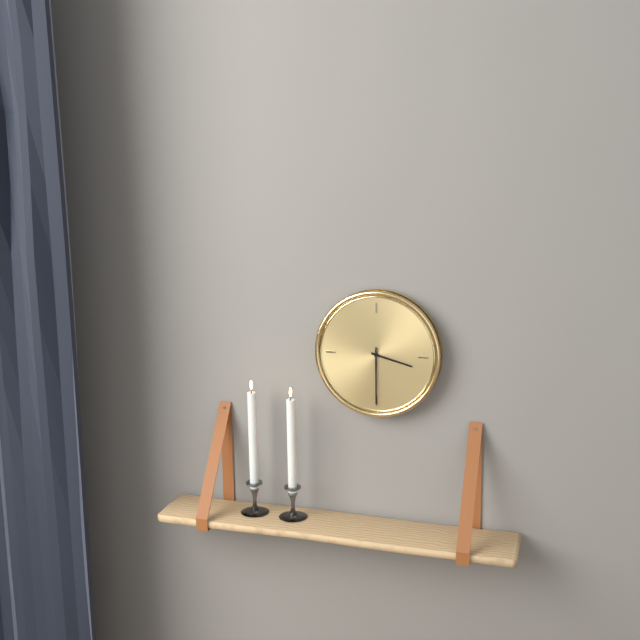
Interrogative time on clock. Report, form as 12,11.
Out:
3,30
